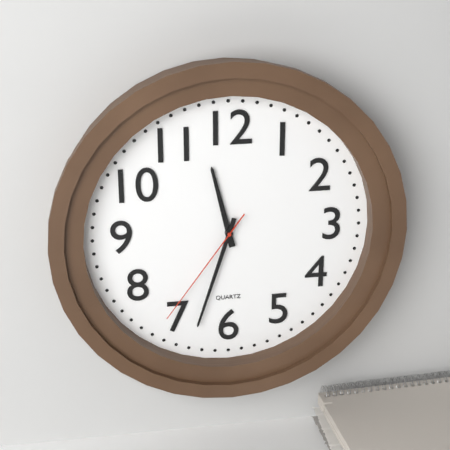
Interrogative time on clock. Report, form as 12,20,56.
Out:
11,33,36
